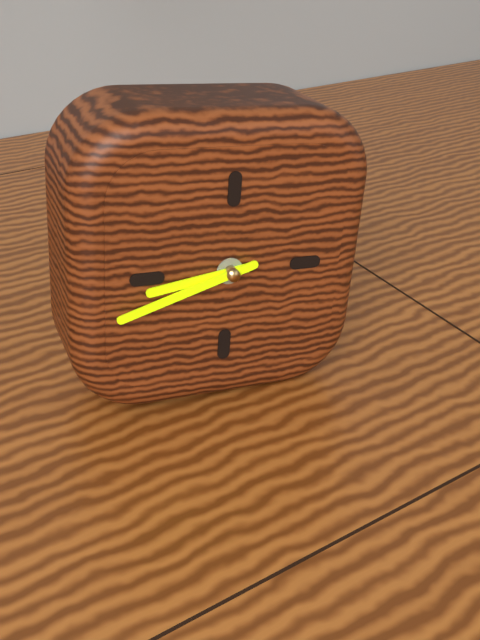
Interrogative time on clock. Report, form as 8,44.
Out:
8,42
